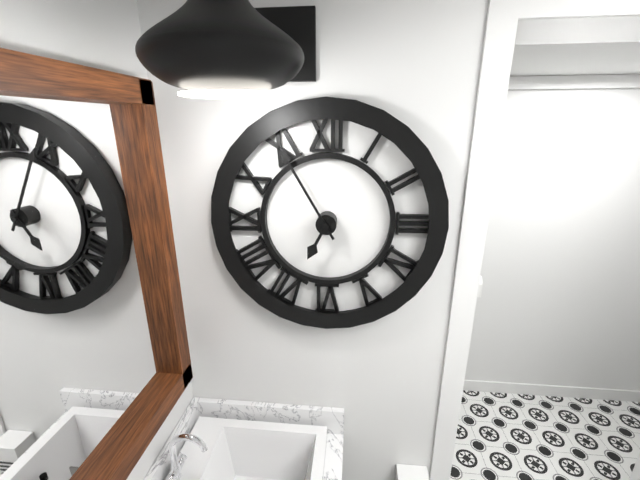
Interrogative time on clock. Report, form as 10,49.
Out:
6,55
